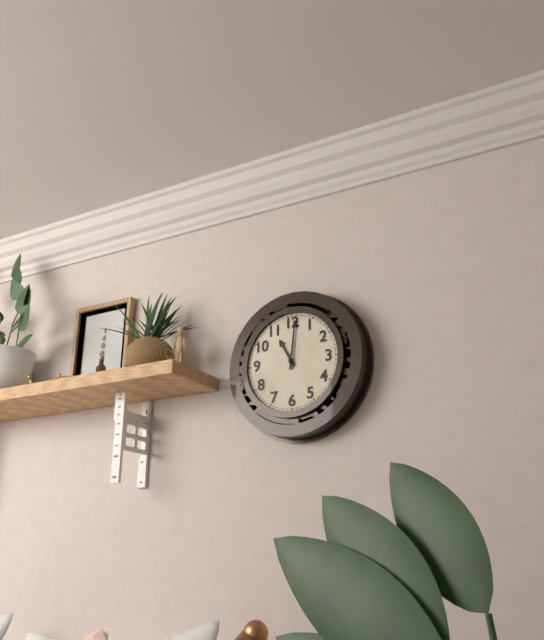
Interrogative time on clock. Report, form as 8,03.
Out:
11,01
